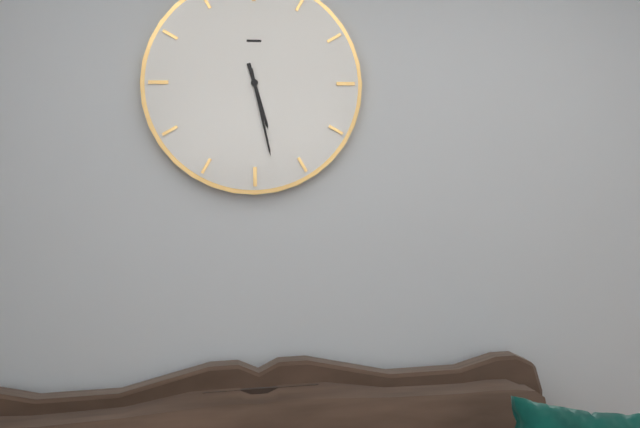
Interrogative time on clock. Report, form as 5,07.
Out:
5,28
